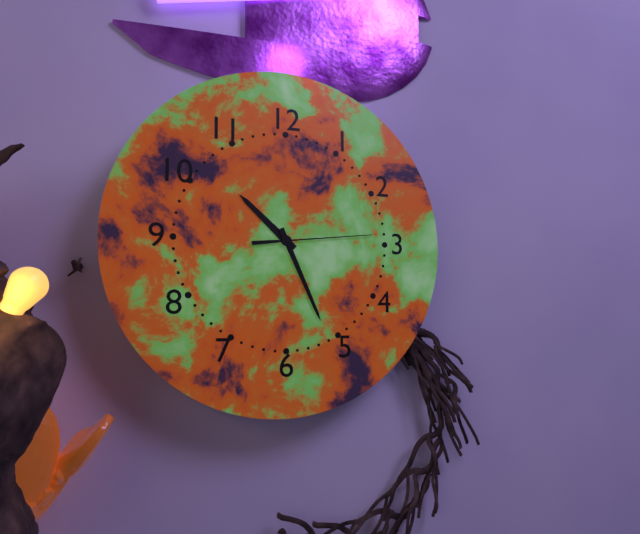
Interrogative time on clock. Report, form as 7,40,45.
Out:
10,26,14
